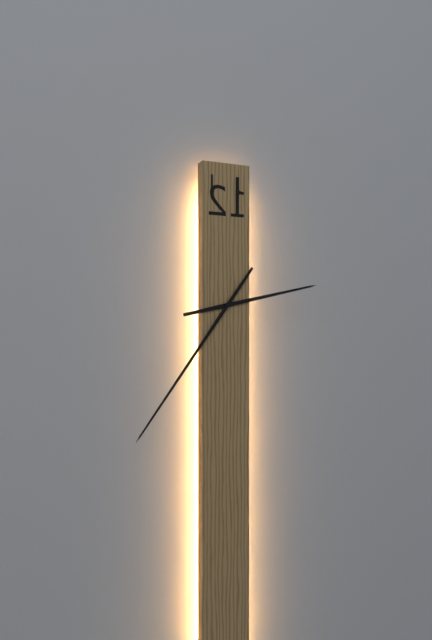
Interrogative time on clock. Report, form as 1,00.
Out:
2,36
